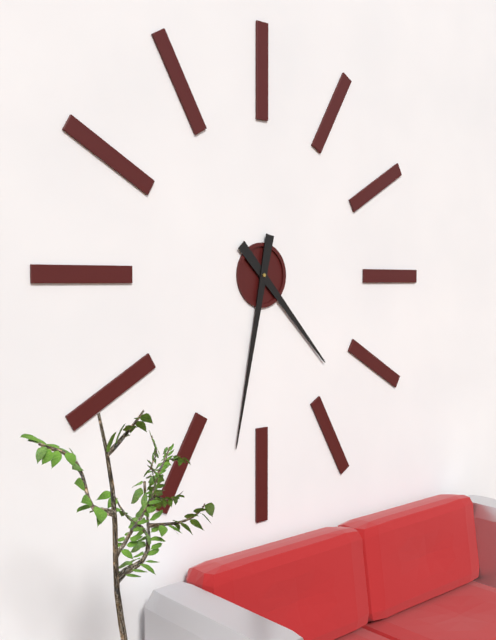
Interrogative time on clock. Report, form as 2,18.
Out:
4,32
